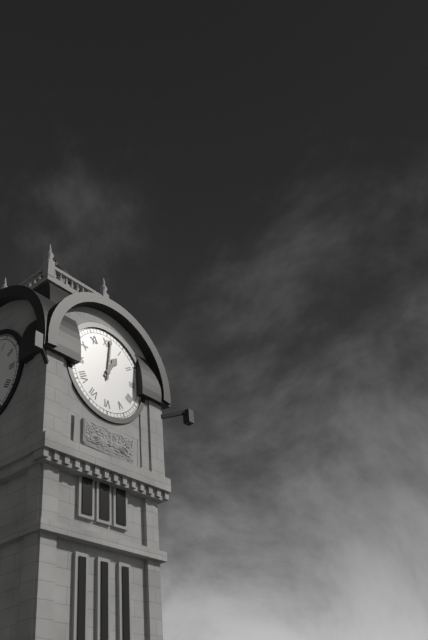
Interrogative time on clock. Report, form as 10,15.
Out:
1,01
